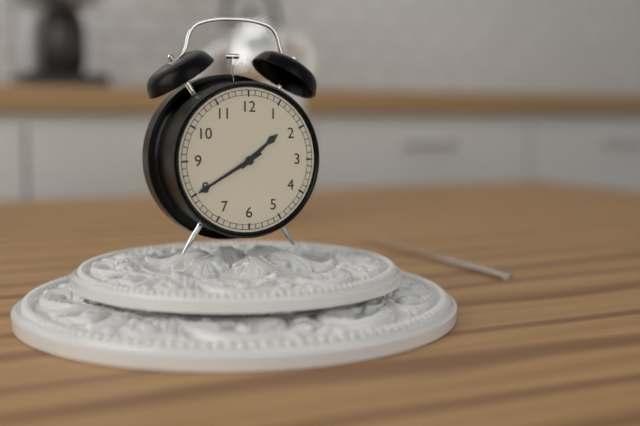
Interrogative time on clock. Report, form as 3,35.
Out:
1,40
